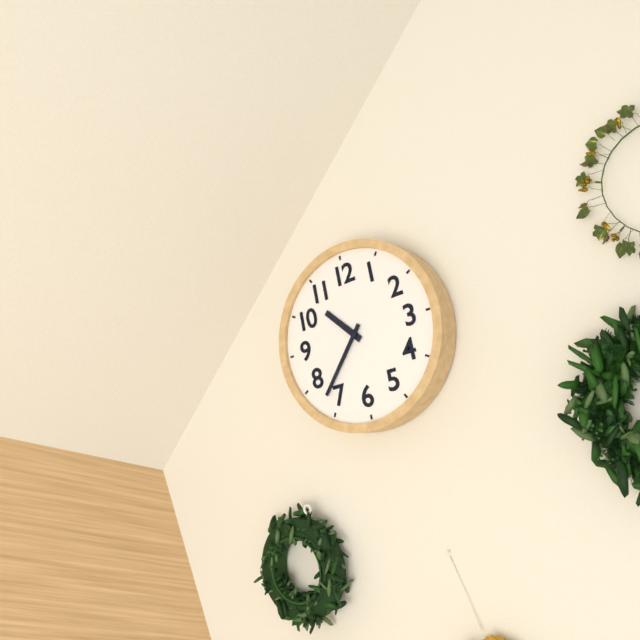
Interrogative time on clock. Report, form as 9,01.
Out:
10,37
